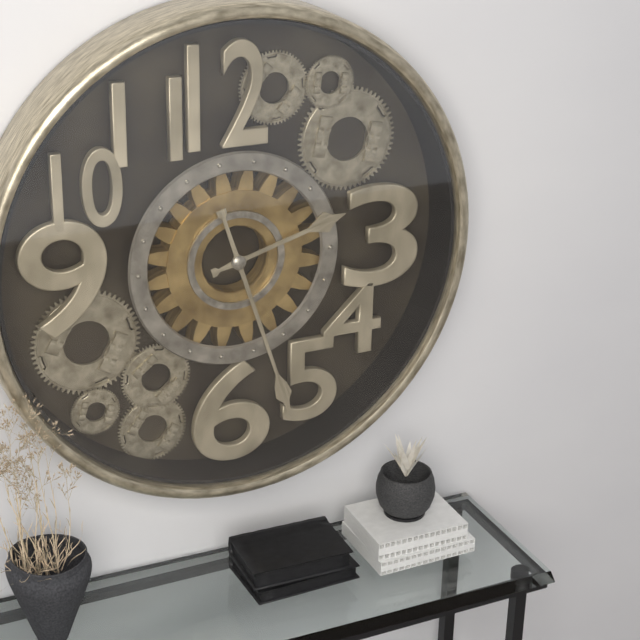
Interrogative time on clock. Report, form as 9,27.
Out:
2,27
